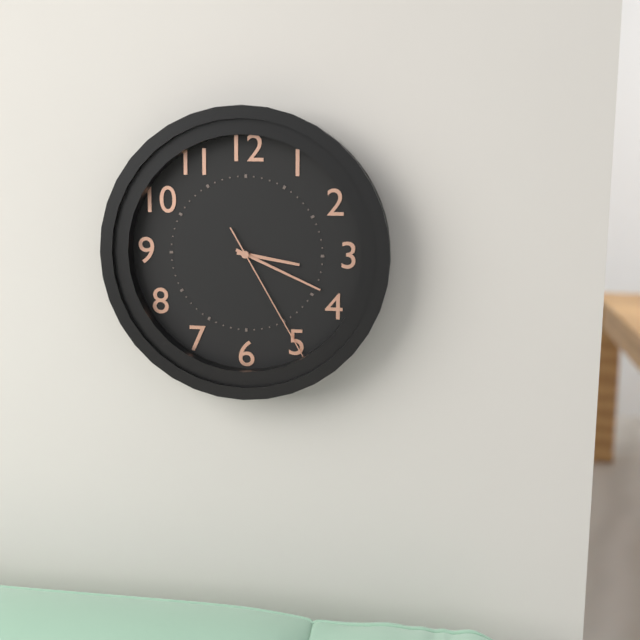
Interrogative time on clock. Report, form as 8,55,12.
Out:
3,19,25
